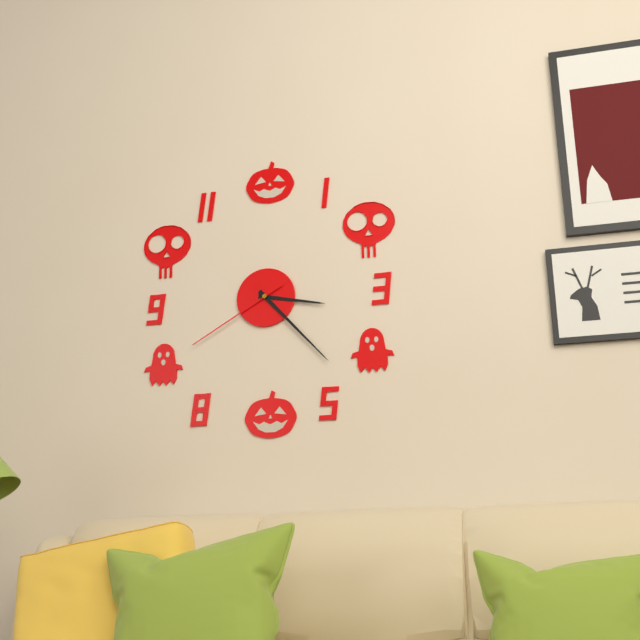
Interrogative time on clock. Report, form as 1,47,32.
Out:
3,23,40
